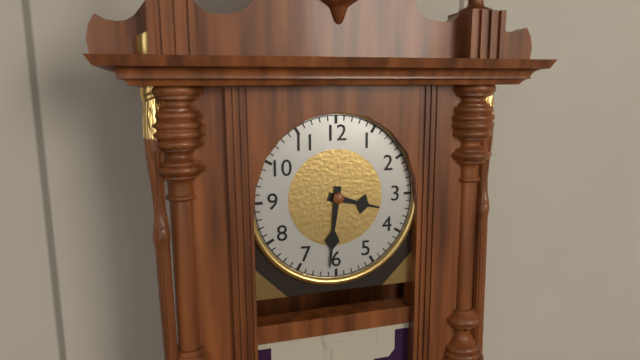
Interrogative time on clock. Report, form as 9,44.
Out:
3,31
